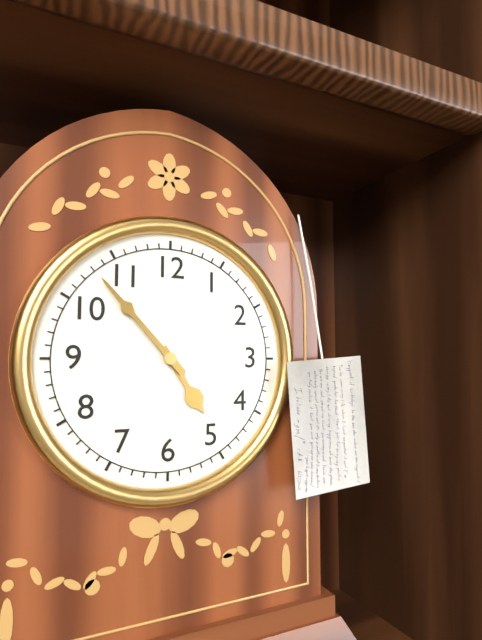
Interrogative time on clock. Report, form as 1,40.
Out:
4,53
